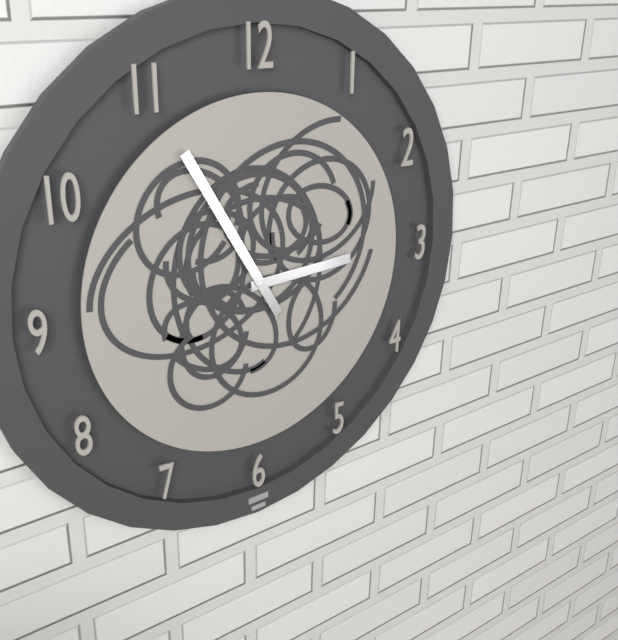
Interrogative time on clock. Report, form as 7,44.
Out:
2,55
